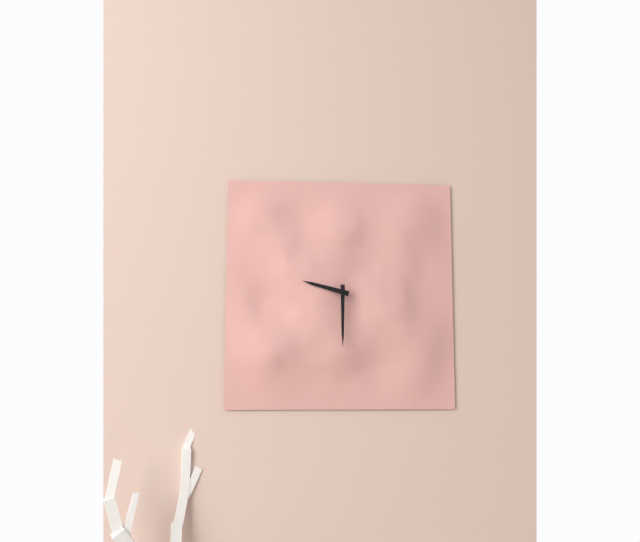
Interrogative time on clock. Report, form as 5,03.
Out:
9,30
